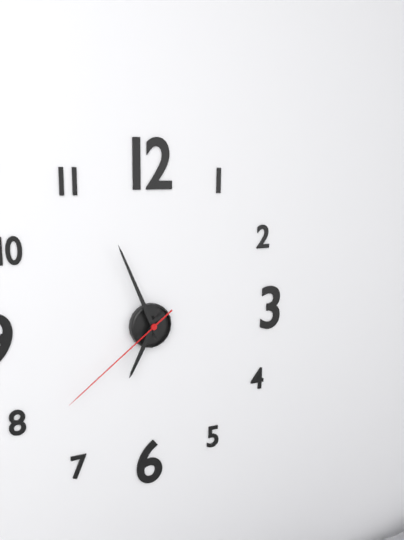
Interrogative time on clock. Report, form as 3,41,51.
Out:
6,56,39
